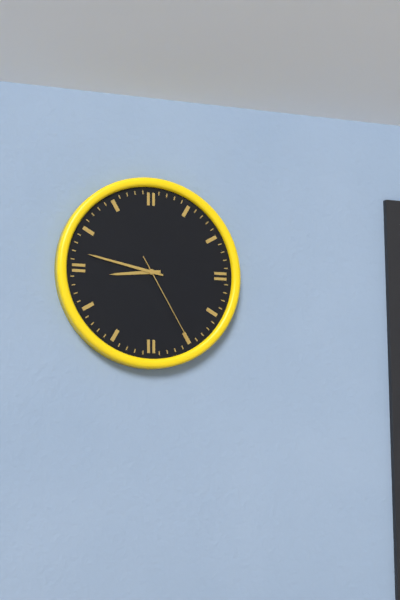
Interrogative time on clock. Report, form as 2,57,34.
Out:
8,47,25
